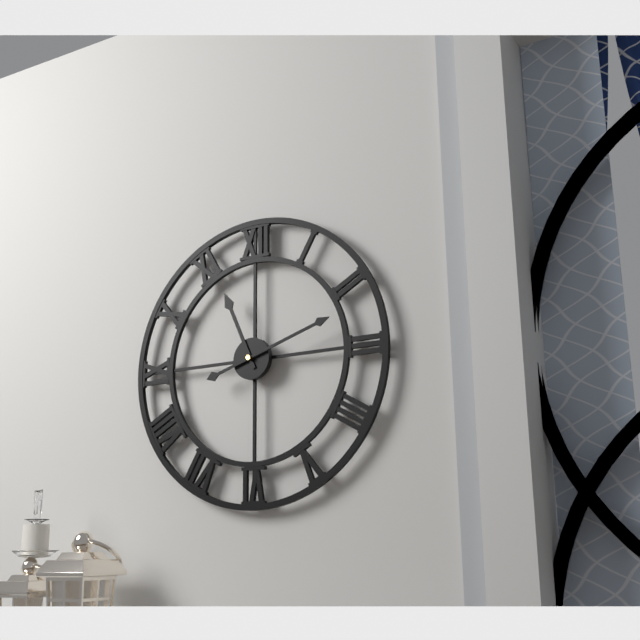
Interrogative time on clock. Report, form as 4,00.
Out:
11,12
